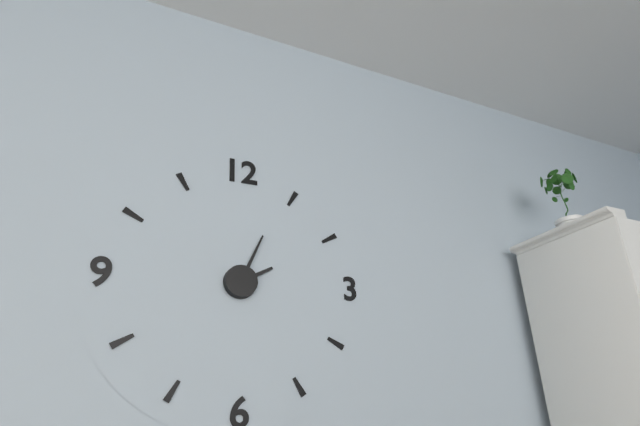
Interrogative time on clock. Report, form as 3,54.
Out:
2,04
